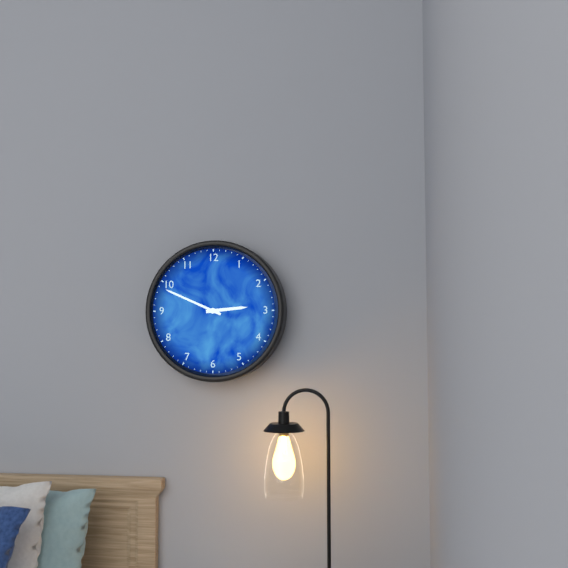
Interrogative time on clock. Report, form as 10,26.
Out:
2,49
